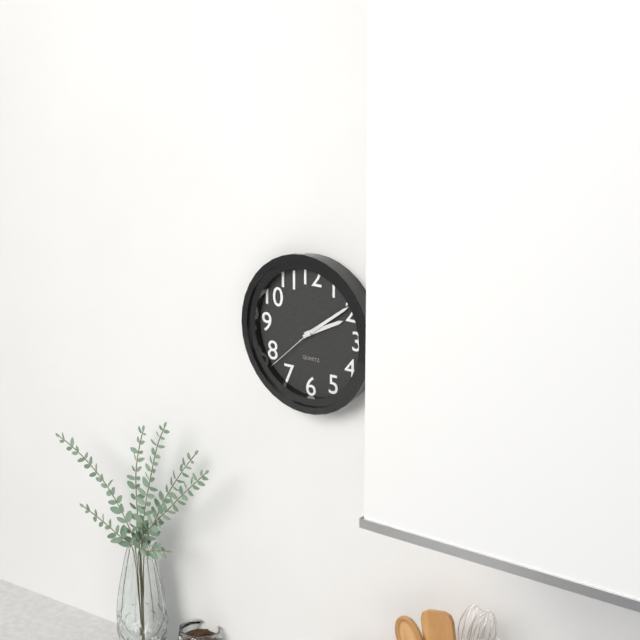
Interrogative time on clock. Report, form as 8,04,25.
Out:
2,09,38
